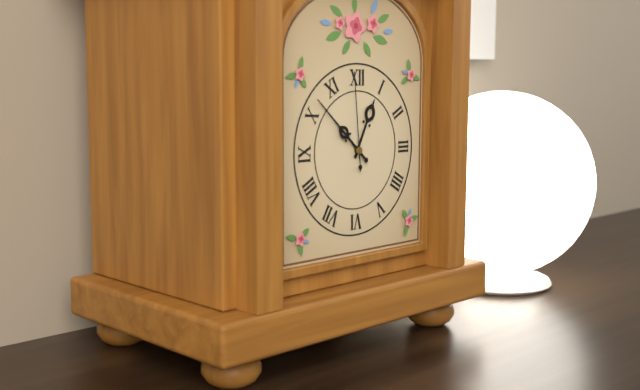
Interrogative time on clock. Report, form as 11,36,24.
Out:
12,52,59
